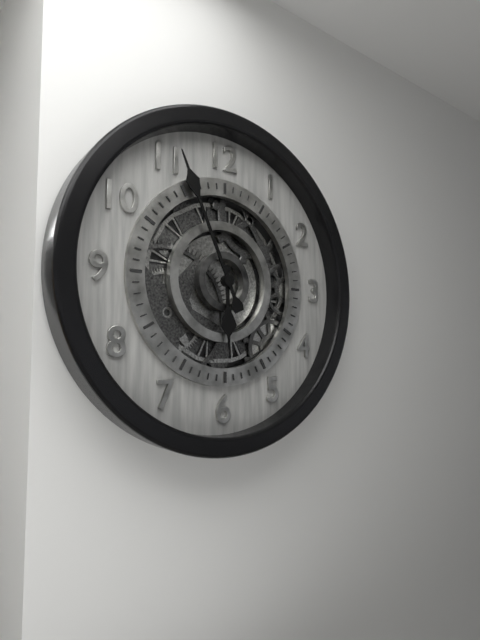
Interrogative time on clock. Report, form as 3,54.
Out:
5,56
